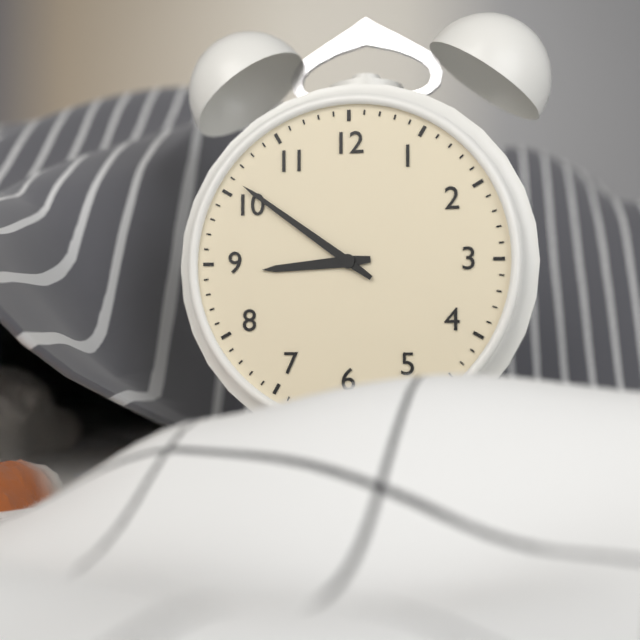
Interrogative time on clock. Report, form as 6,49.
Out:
8,51
